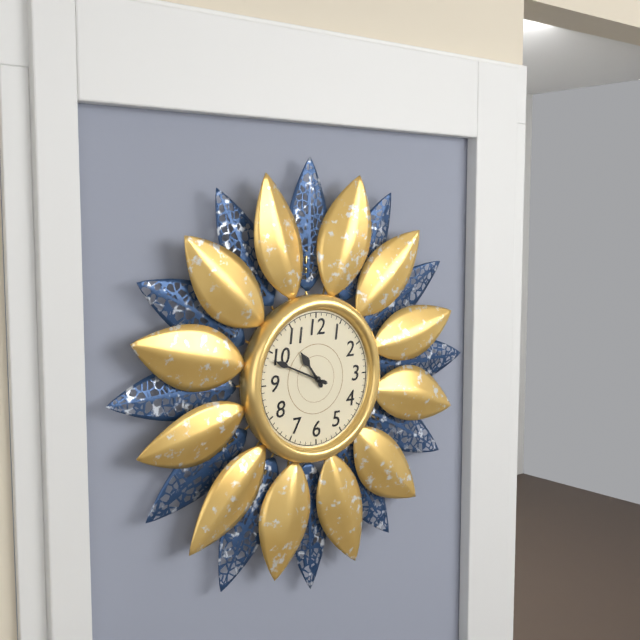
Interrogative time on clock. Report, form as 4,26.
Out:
10,49
